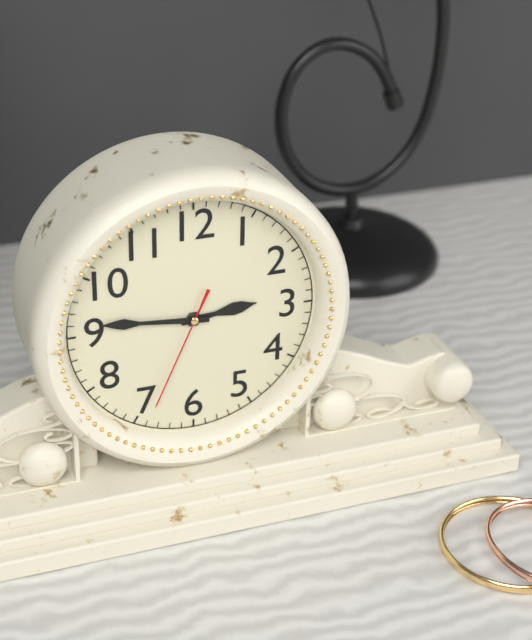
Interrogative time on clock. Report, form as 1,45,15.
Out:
2,46,34
